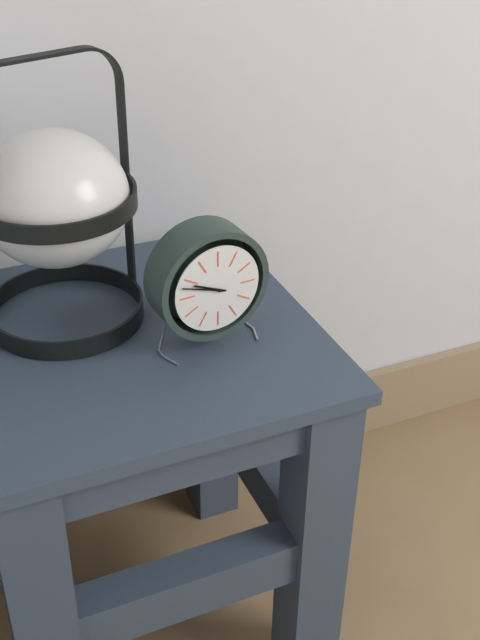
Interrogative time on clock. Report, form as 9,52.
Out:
9,48
